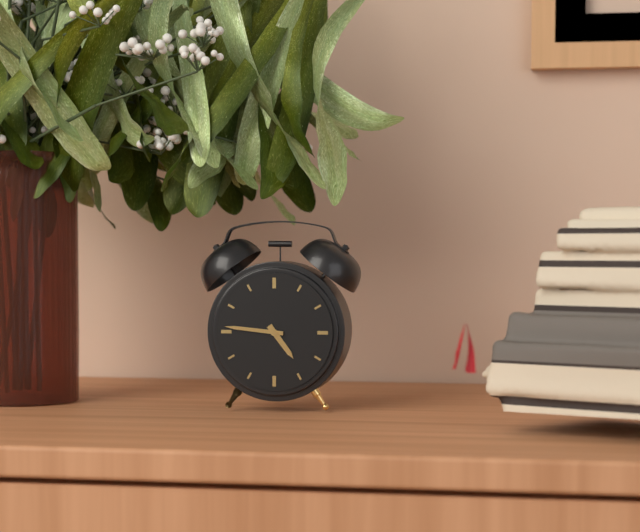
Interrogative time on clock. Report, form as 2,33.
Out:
4,46
